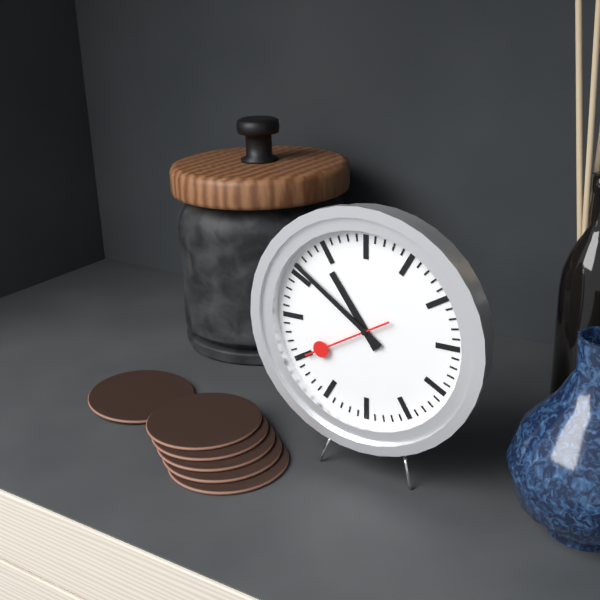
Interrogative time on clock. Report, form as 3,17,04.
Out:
10,51,40
